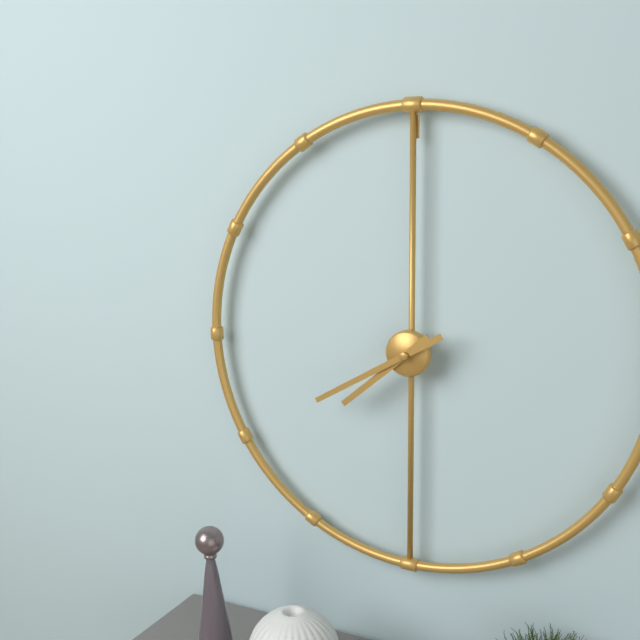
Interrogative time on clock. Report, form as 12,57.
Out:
7,40
